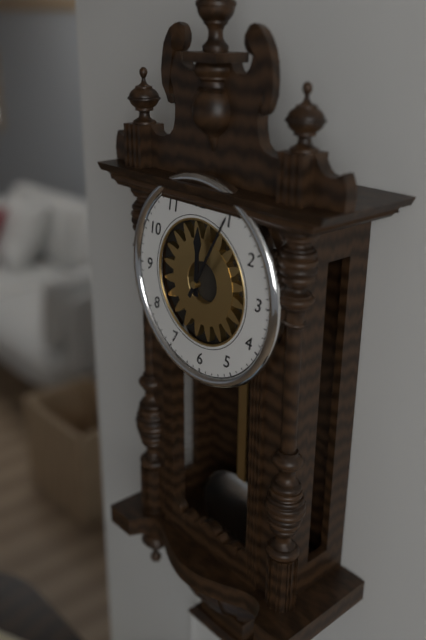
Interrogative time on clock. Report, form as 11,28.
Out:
12,05
